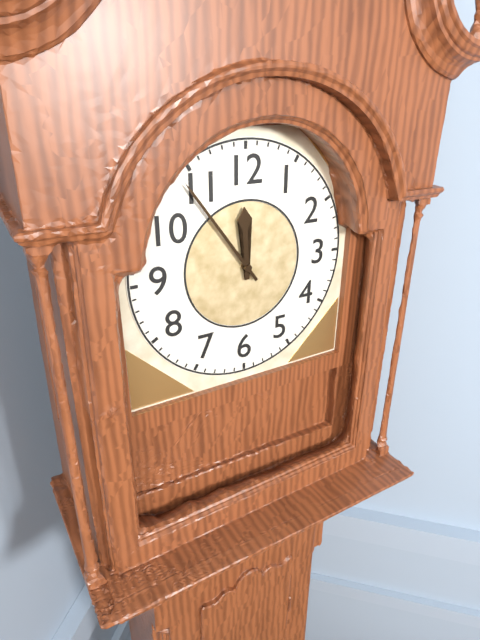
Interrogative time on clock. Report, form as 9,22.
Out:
11,54
